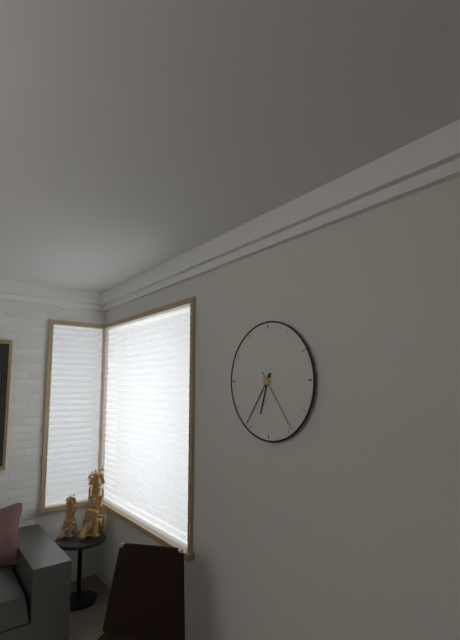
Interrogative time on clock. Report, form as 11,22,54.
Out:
6,36,24
